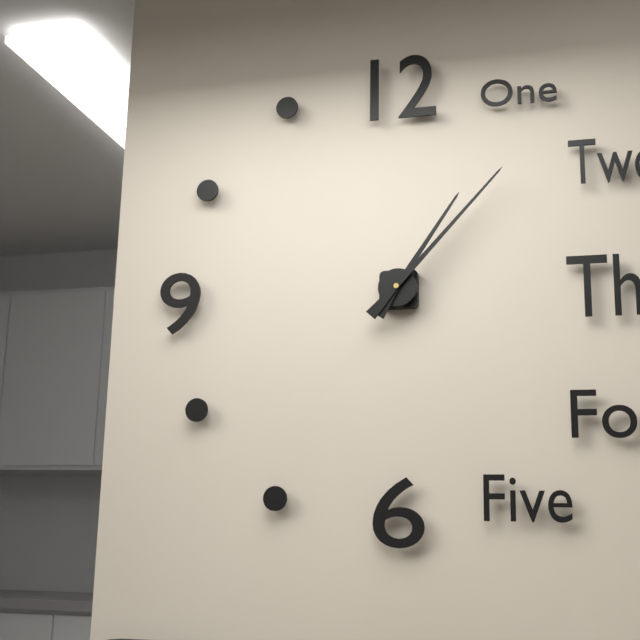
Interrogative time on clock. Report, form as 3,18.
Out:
1,07
